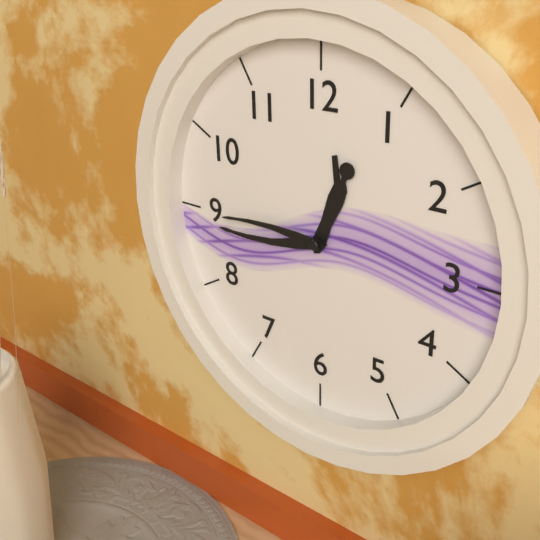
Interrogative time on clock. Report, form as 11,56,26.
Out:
12,44,45
